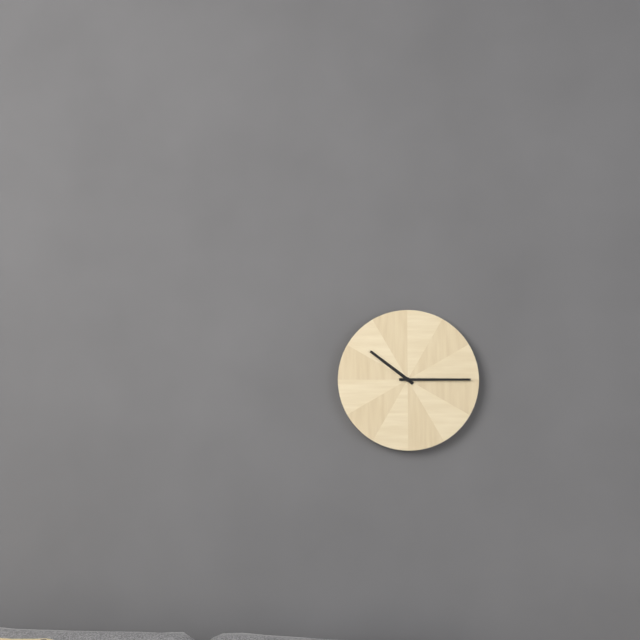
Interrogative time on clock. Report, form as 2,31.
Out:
10,15
